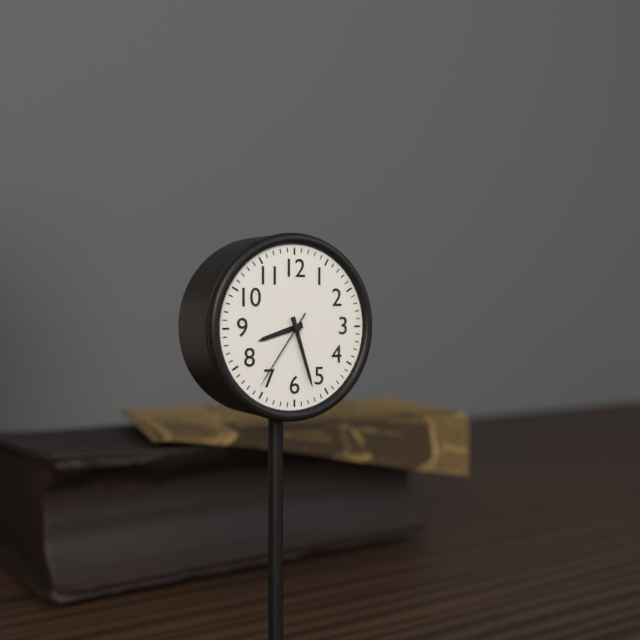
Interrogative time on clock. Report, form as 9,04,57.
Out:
8,27,36
